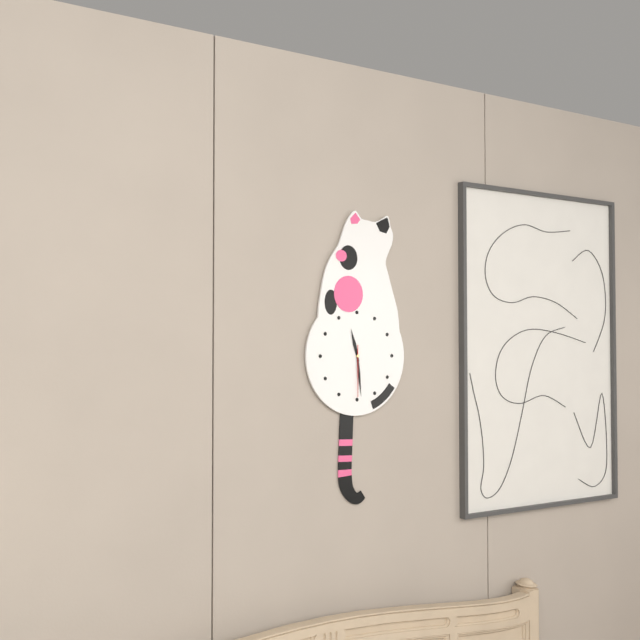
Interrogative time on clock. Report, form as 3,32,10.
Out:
11,29,30
